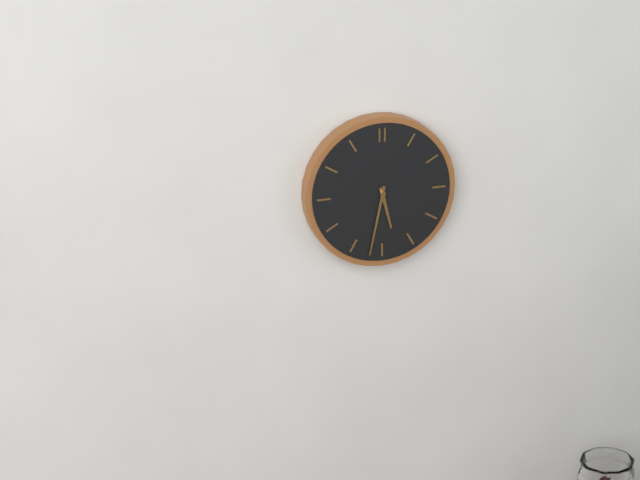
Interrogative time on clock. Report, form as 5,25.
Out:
5,32
